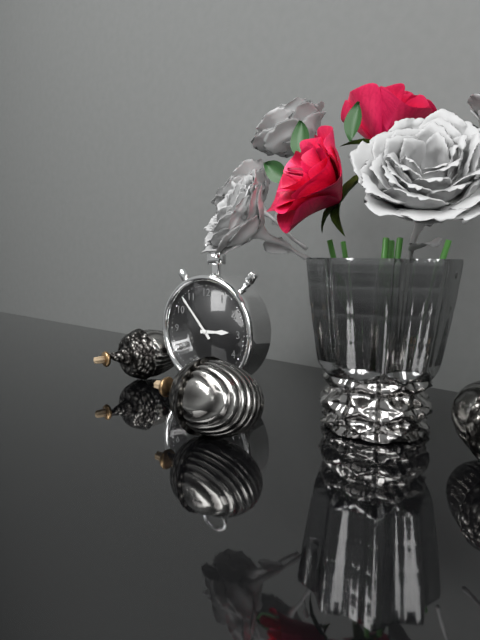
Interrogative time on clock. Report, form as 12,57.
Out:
2,53
